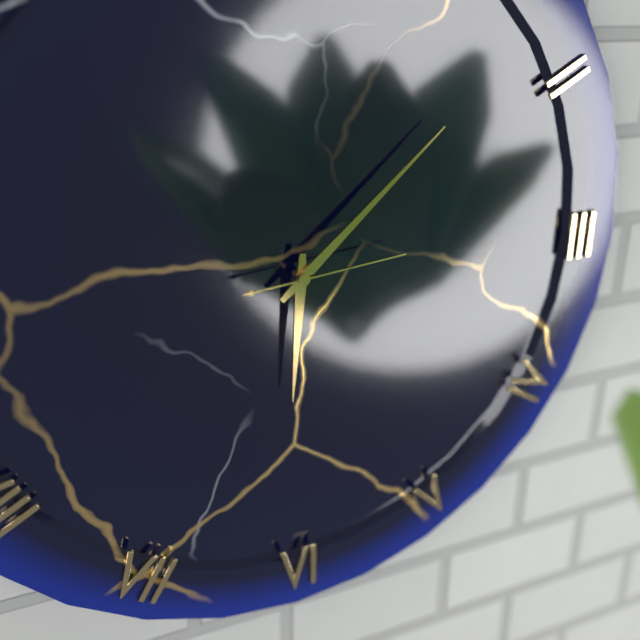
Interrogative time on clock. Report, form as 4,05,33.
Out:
6,08,14
